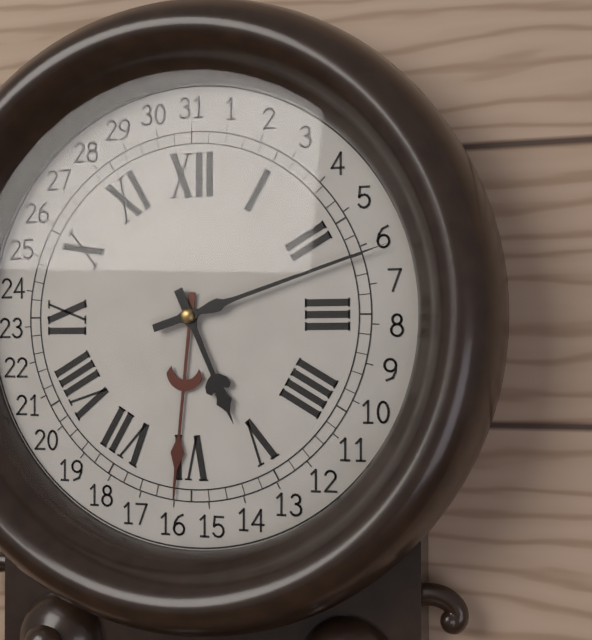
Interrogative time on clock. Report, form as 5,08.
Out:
5,12
